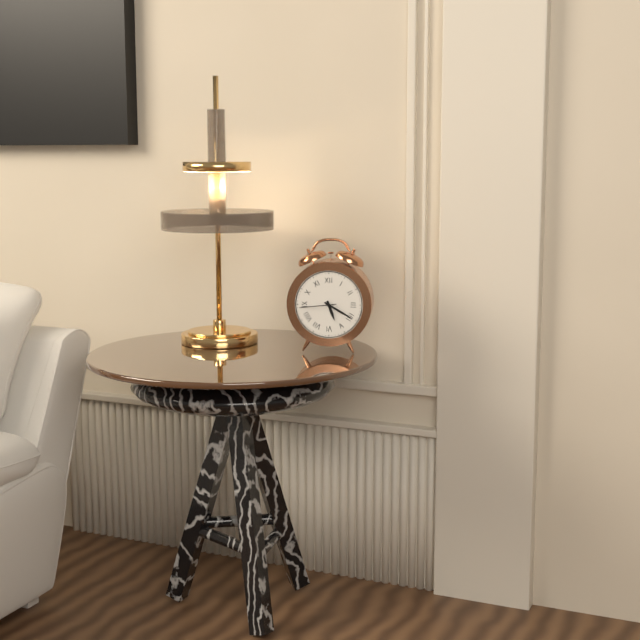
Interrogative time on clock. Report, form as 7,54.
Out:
5,20
